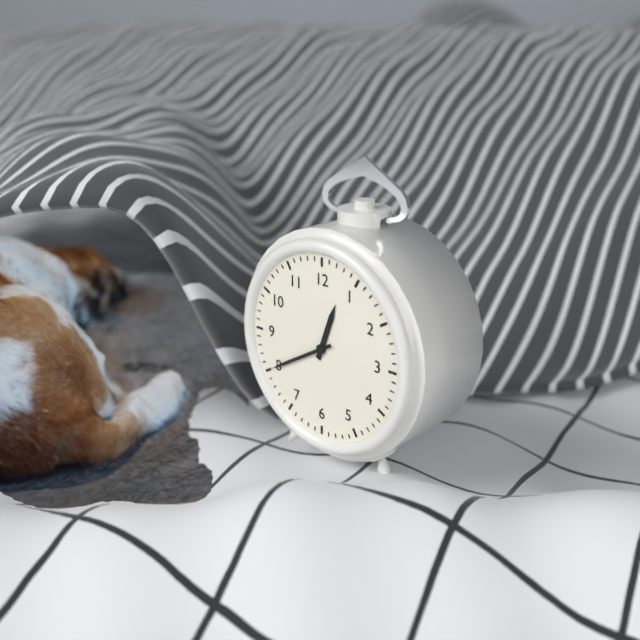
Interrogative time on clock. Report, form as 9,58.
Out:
12,40
